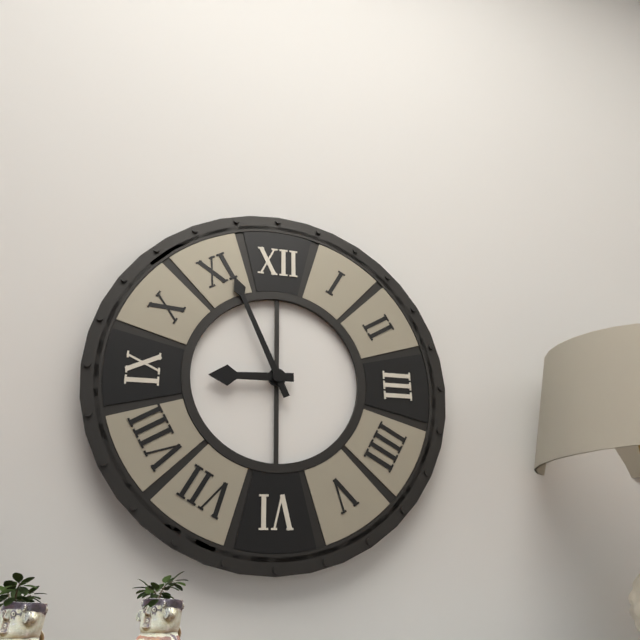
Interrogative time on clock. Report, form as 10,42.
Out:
8,56
